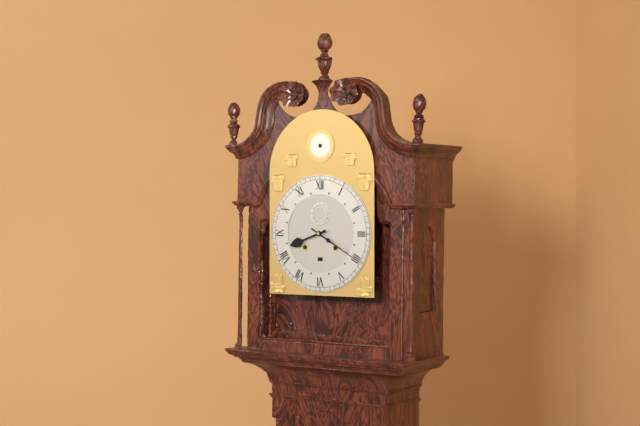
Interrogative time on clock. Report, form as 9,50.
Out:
8,20
